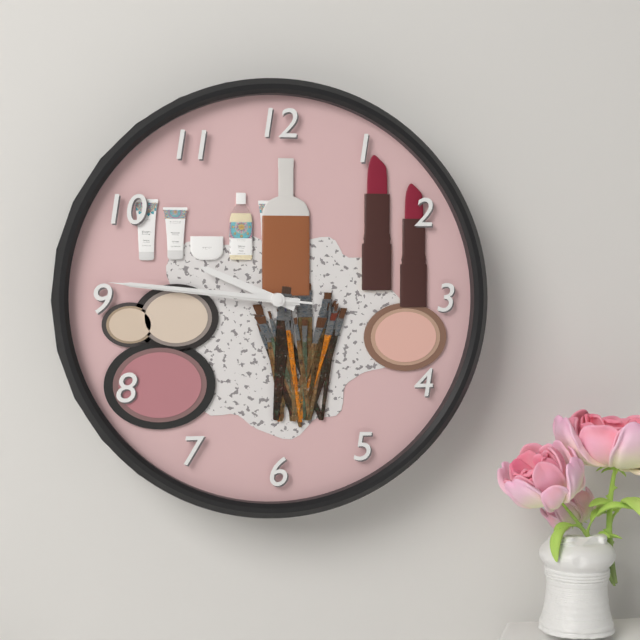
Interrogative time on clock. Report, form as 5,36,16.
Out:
9,46,46
